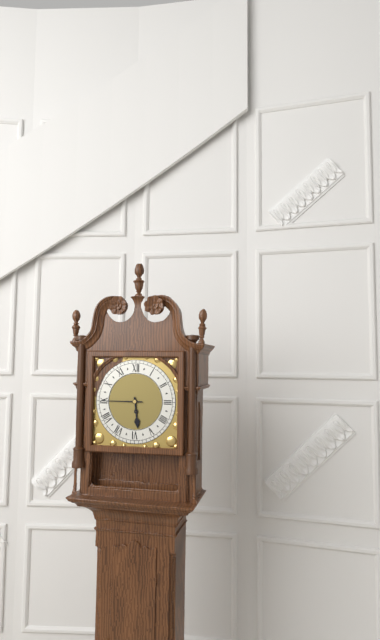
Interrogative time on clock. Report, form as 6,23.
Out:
5,45
